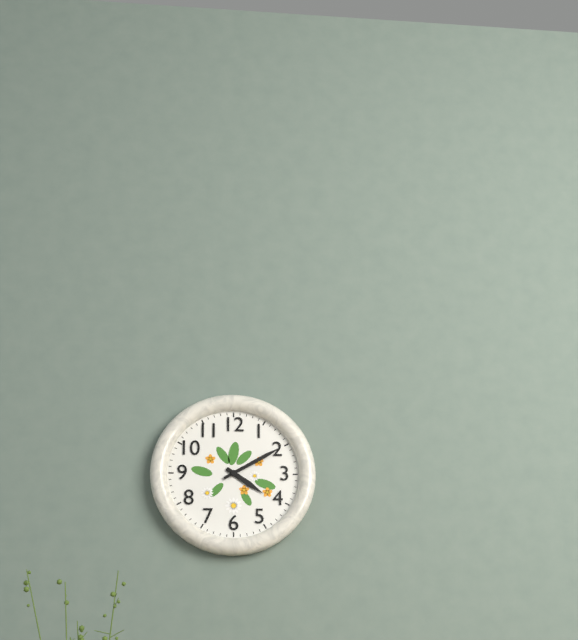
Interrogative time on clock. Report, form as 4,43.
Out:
4,10
